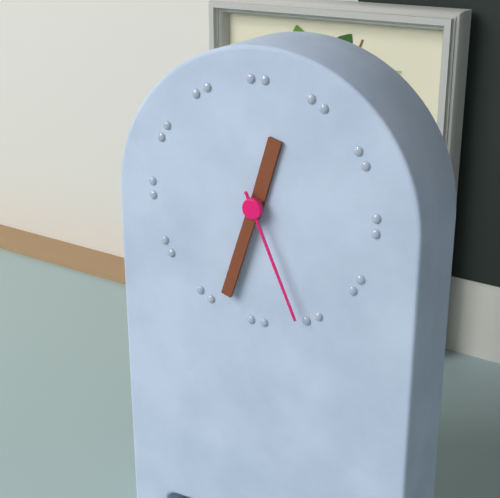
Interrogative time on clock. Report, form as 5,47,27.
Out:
12,33,26
